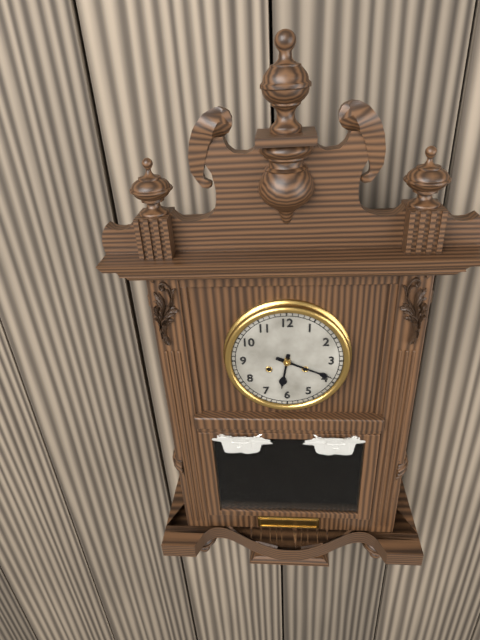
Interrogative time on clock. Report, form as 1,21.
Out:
6,19
